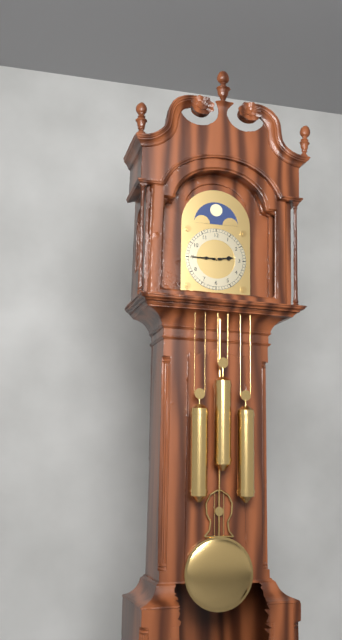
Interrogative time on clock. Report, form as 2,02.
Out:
2,45
